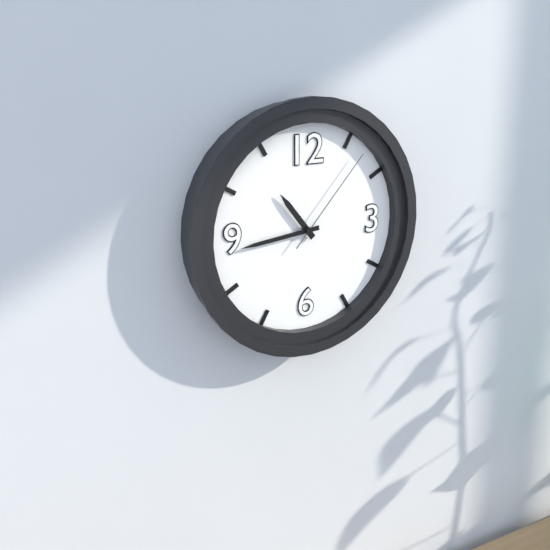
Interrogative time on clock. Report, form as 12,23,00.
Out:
10,44,07
